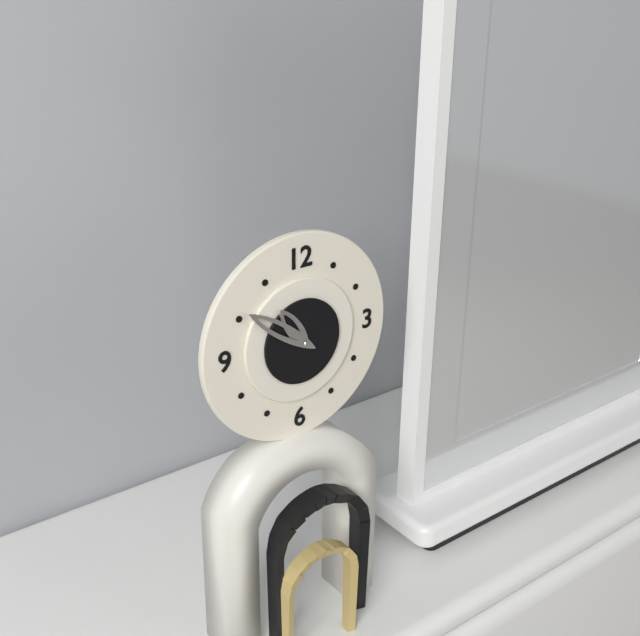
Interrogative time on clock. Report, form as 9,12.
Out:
10,51
